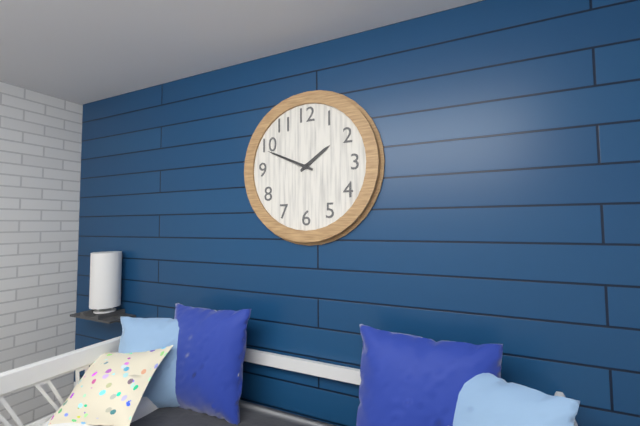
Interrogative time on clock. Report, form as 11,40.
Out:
1,49
